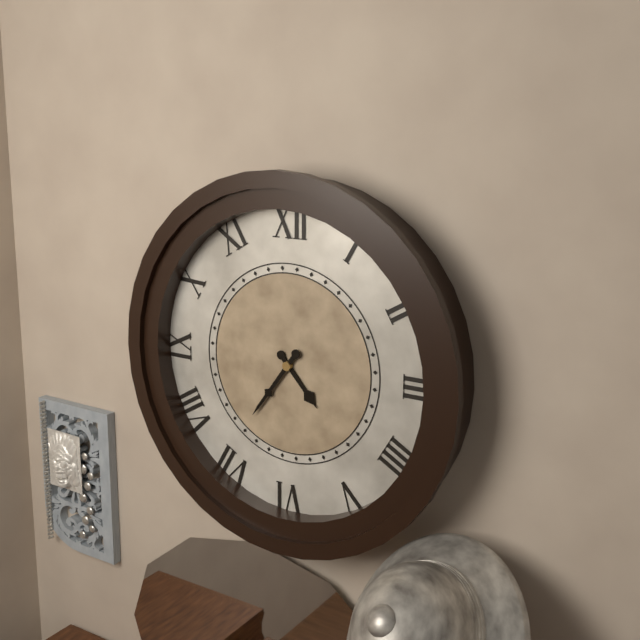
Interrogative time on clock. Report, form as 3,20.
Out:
4,36
